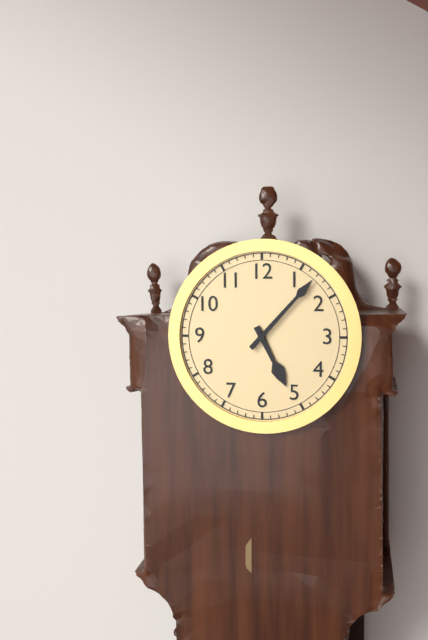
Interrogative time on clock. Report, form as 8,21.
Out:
5,07
